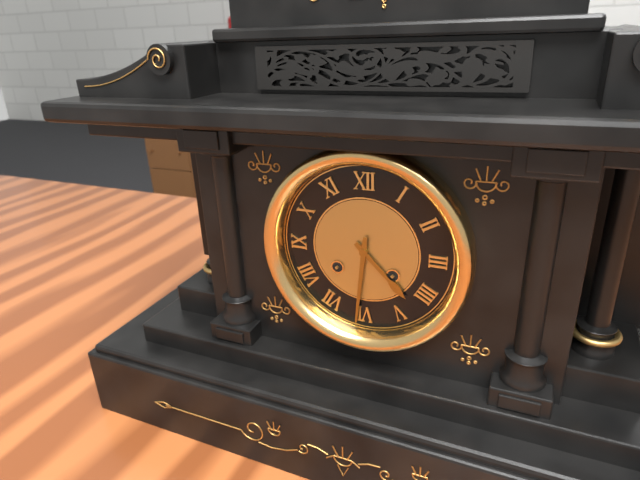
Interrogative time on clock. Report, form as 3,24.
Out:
4,31
